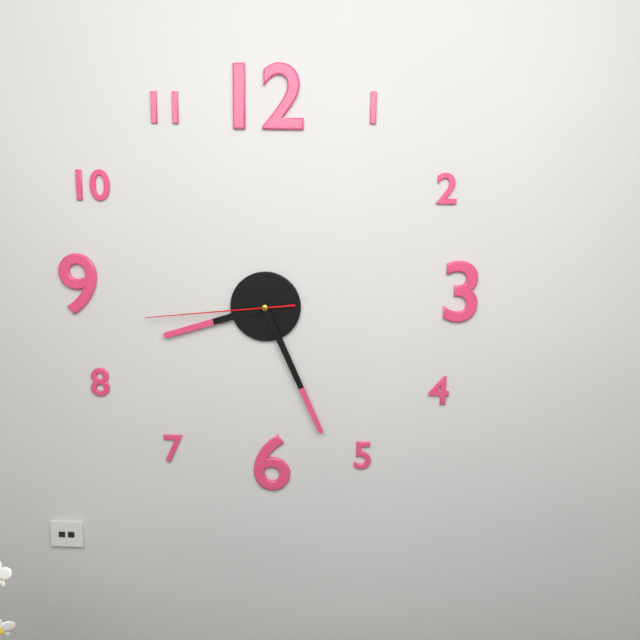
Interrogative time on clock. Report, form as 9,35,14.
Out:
8,26,44
